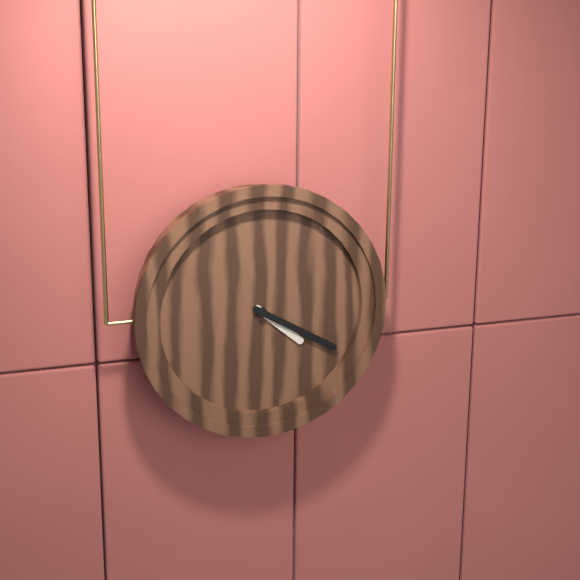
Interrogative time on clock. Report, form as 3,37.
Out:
4,20
